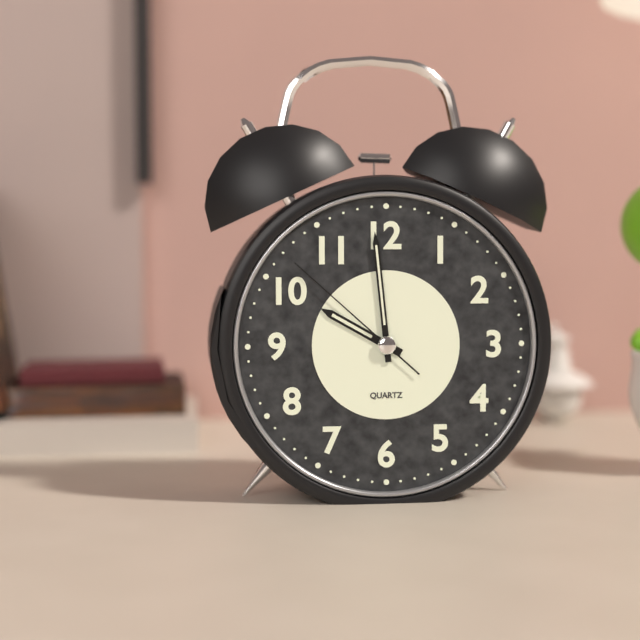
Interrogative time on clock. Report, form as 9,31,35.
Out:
9,59,52
